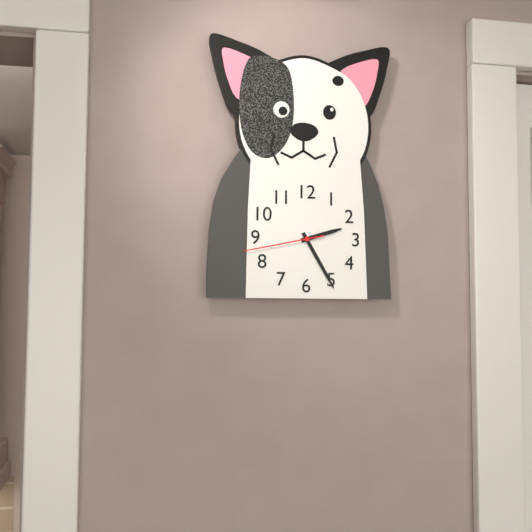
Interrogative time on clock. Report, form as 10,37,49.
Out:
2,25,43
